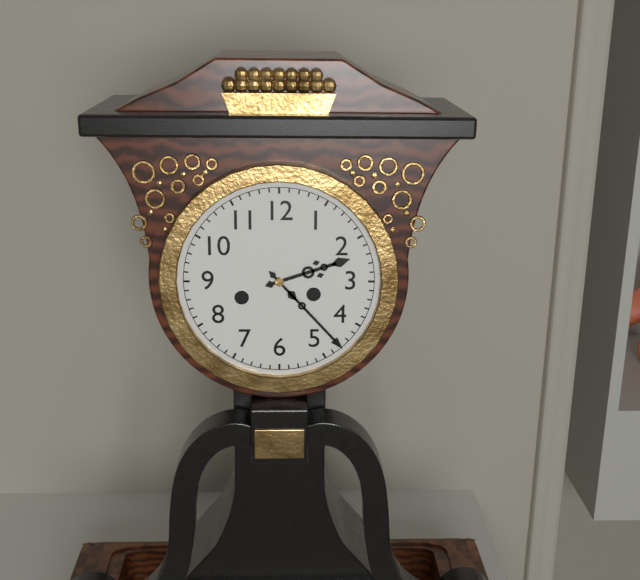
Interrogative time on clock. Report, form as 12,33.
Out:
2,23
